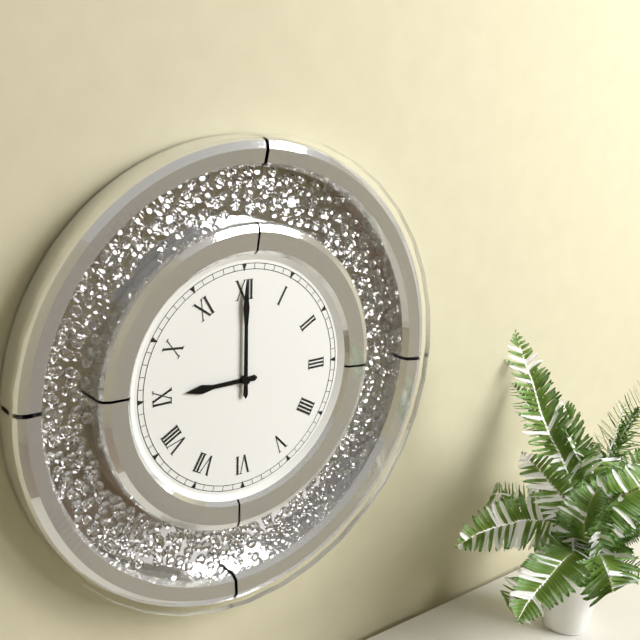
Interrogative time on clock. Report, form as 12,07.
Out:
9,00
